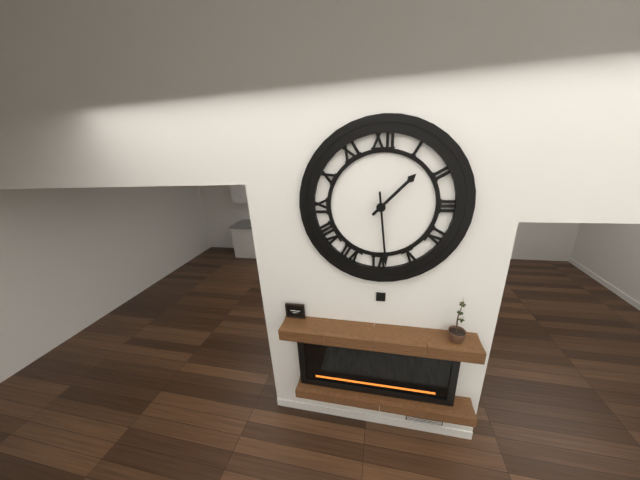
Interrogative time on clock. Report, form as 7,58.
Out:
1,29
